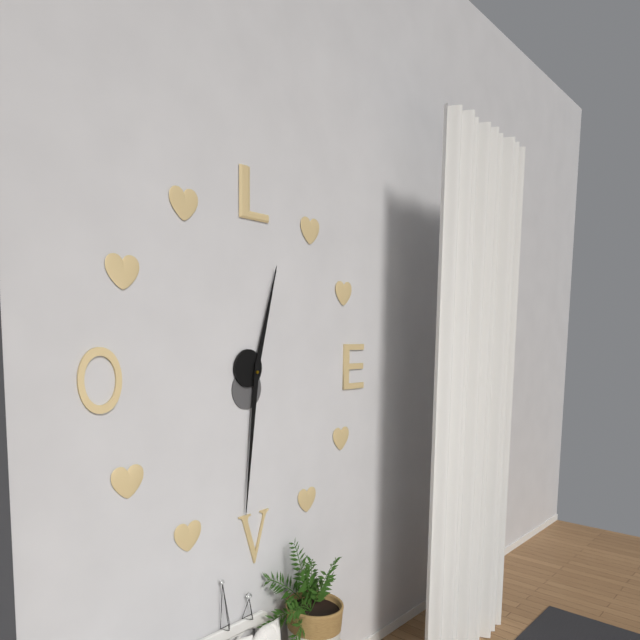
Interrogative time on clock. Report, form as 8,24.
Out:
12,31
